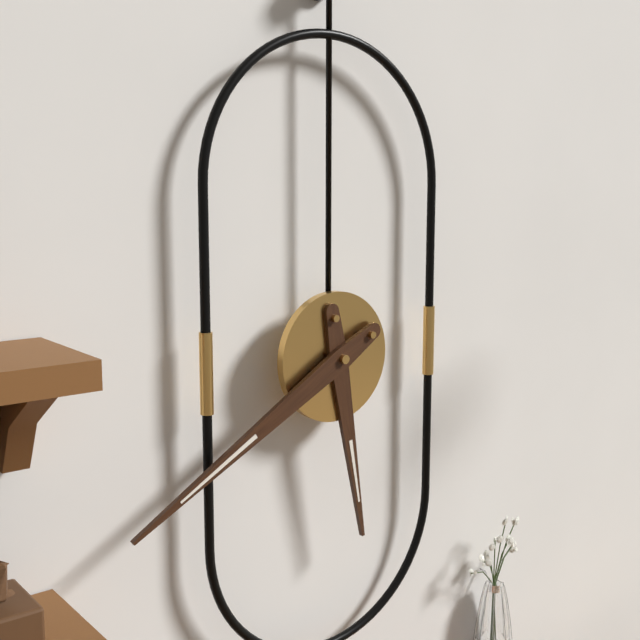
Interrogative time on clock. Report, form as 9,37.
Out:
5,40
